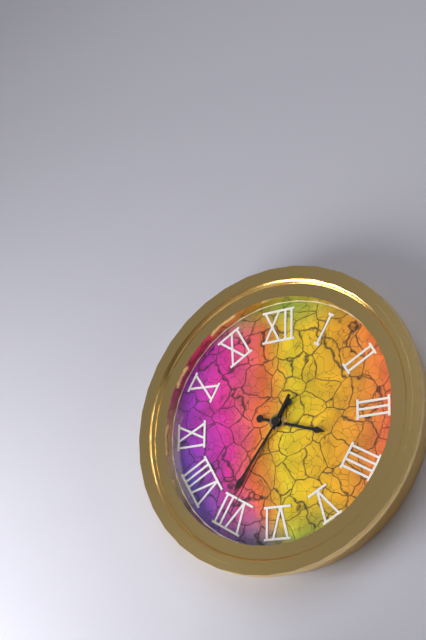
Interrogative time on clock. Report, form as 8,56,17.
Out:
3,36,35
